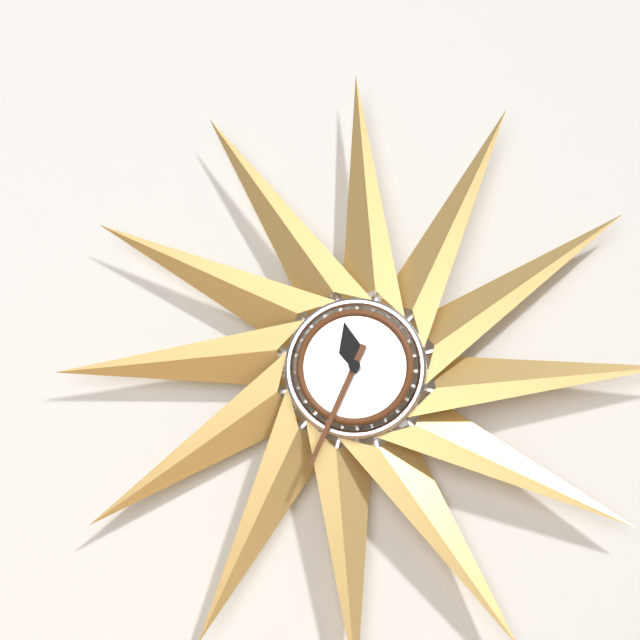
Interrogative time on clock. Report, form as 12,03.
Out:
11,34
